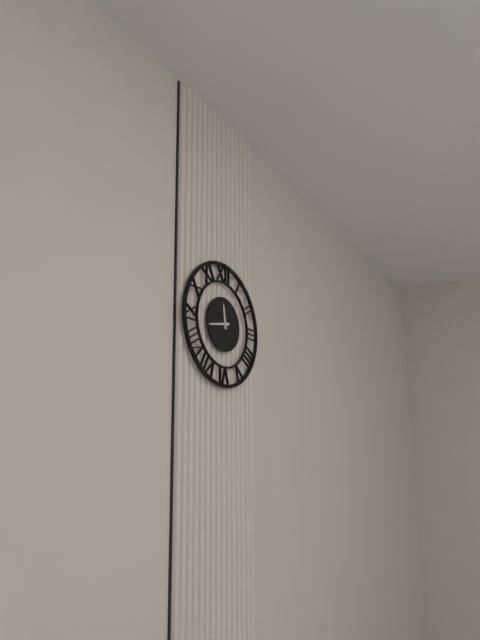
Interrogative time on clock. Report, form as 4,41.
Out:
11,43
